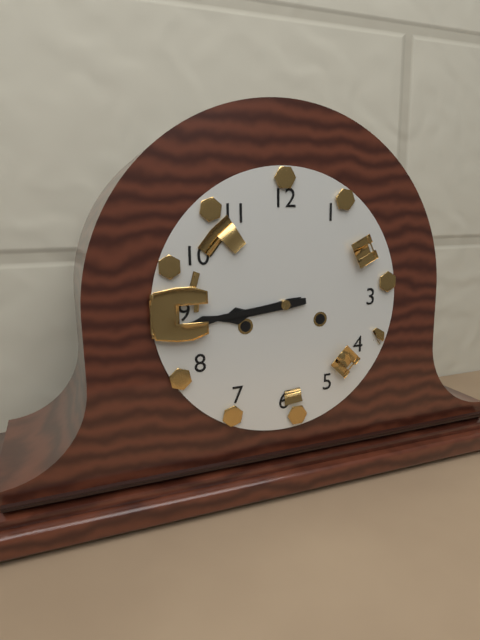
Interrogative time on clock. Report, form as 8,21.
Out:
8,44
